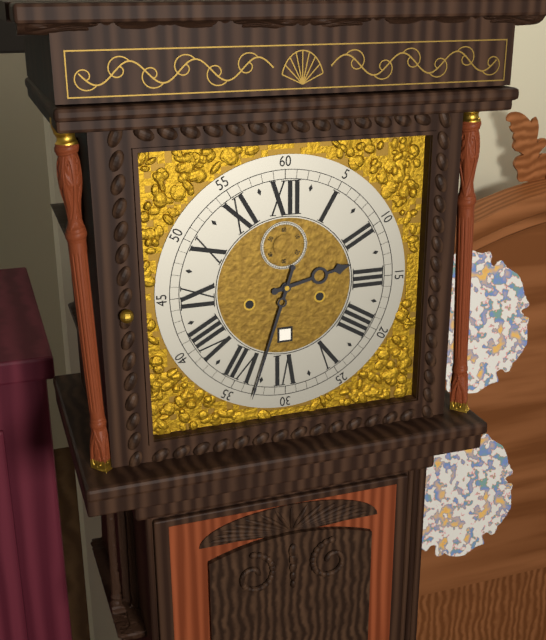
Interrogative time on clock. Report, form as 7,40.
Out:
2,33
